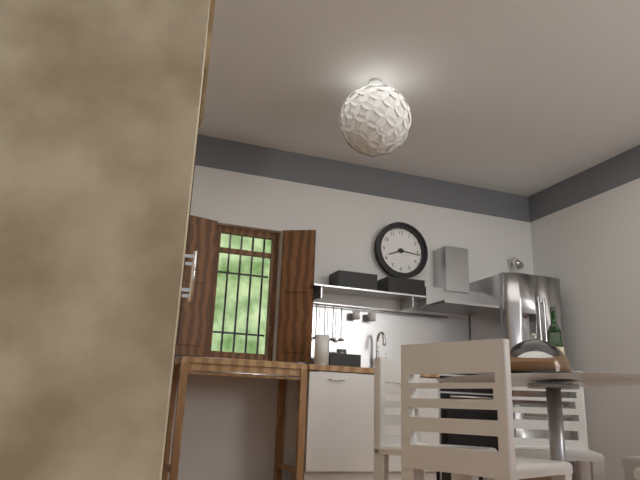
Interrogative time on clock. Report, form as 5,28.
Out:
8,16
